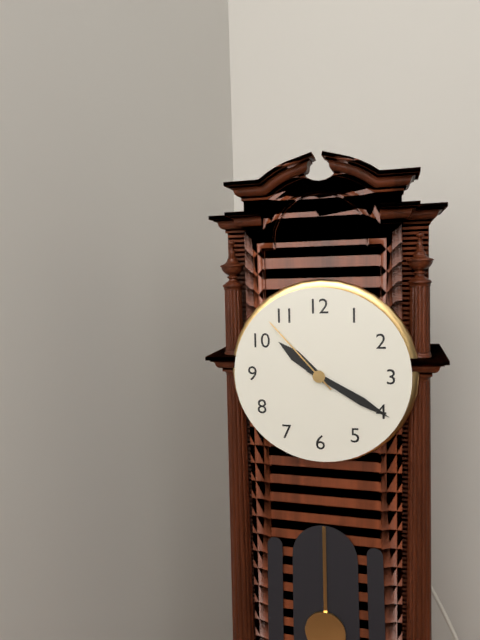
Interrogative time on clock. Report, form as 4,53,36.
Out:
10,20,53
